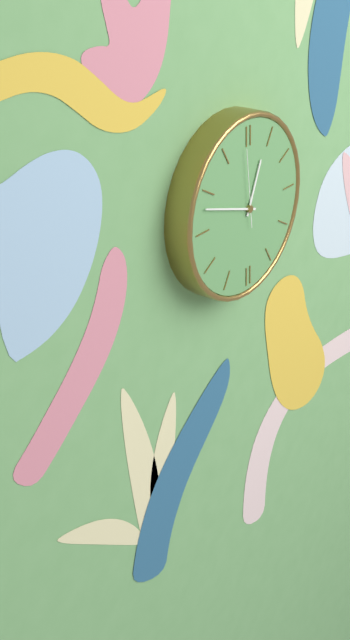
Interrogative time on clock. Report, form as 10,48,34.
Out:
12,48,59
